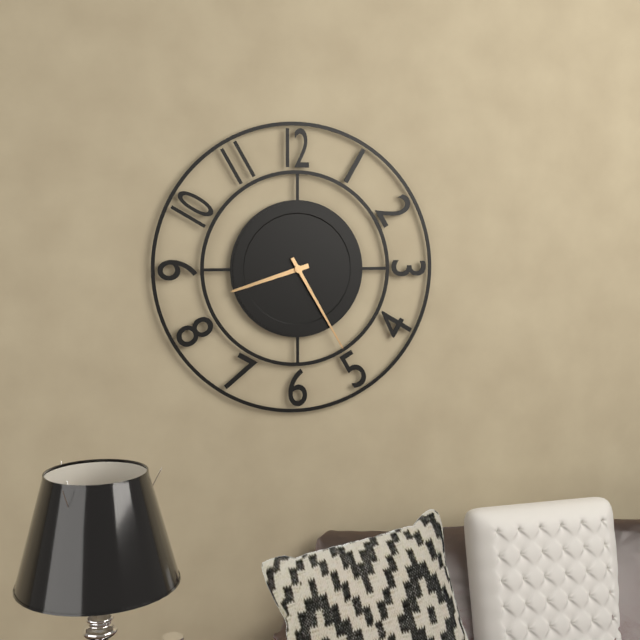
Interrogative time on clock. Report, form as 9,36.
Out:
8,25
